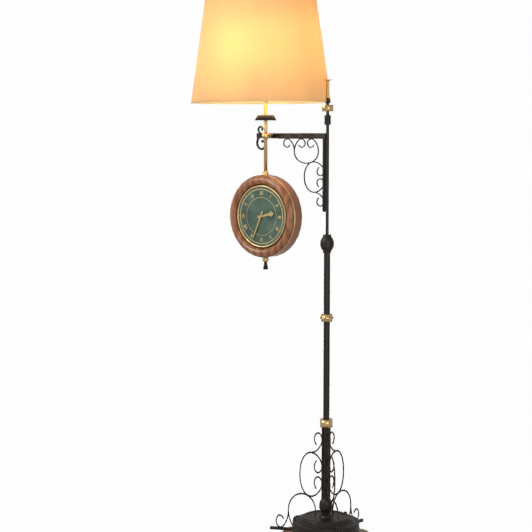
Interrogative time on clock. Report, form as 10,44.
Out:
2,34
